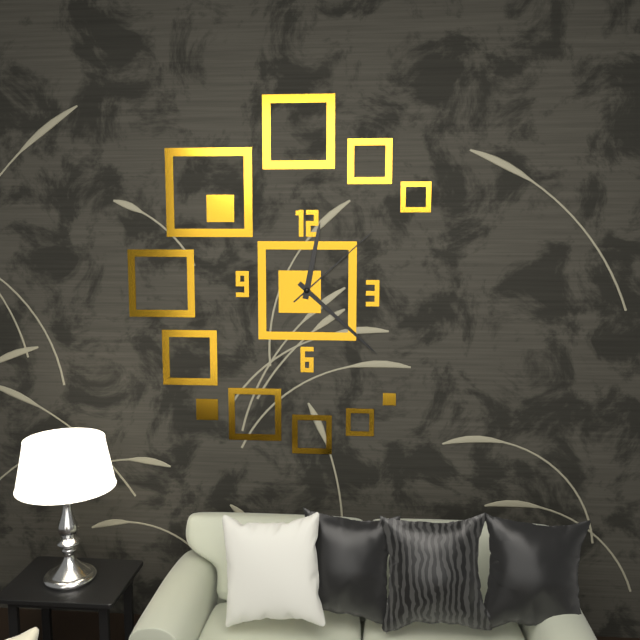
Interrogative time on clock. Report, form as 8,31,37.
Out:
12,22,08
